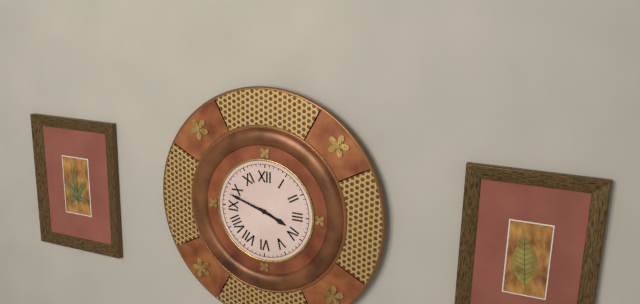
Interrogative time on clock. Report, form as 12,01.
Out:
3,48
